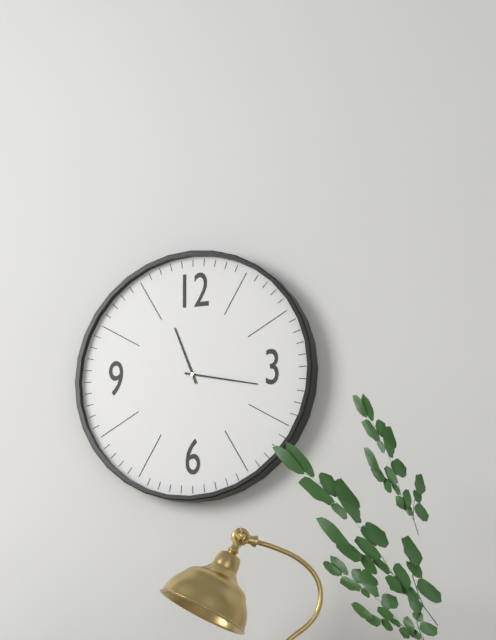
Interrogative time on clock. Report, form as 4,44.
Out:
11,17
